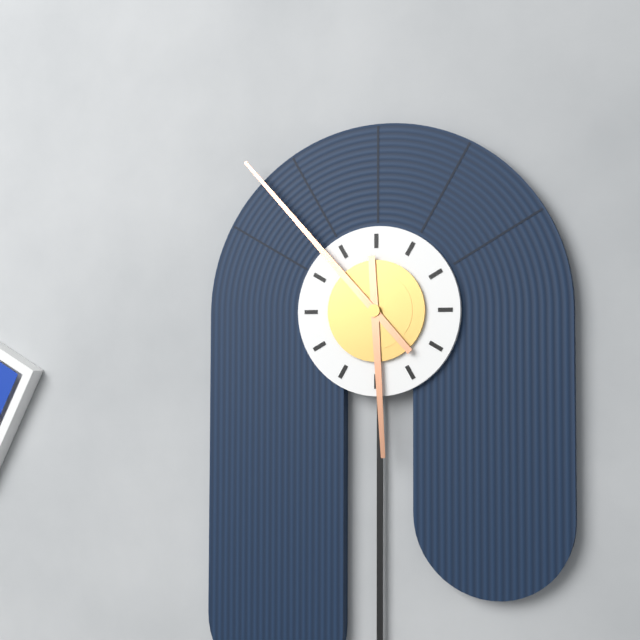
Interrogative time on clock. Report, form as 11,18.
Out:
5,53
